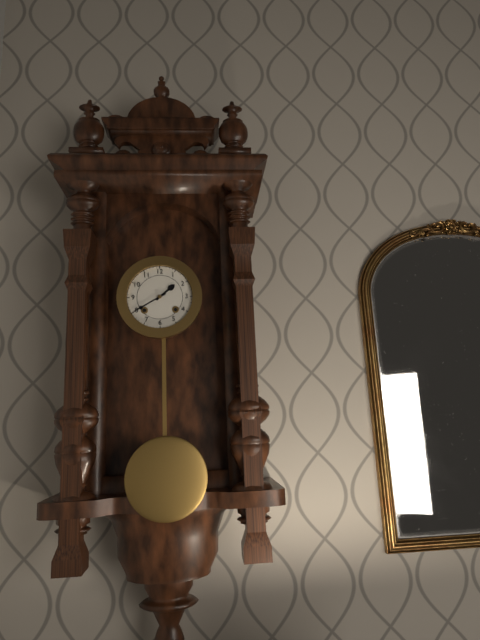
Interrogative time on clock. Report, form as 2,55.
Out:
1,40
